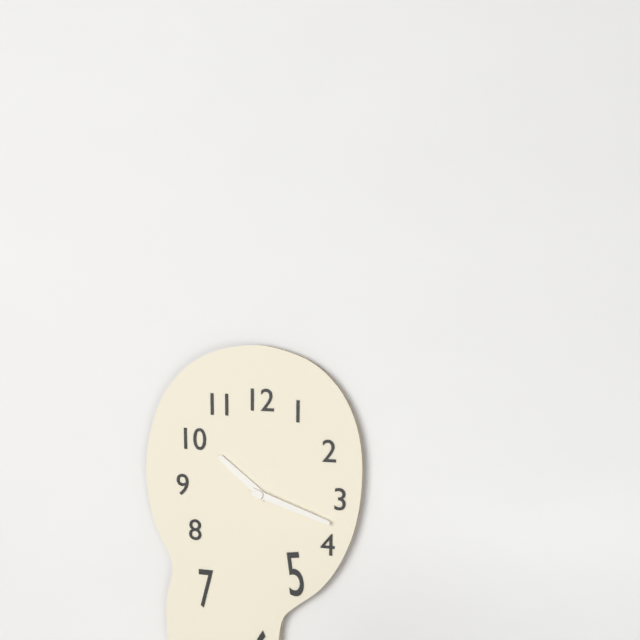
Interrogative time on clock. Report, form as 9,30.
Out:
10,18
